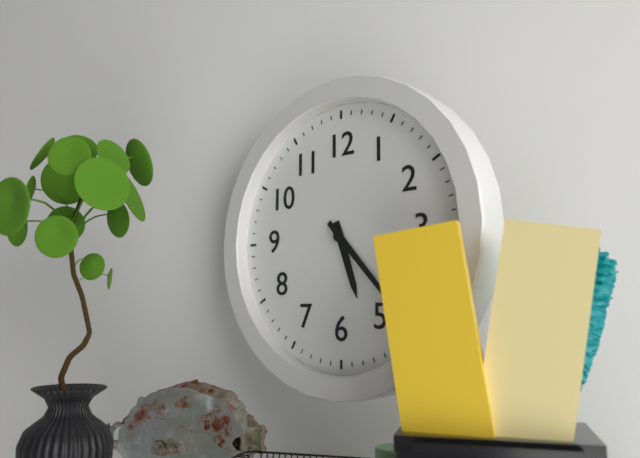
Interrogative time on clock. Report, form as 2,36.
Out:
5,23
